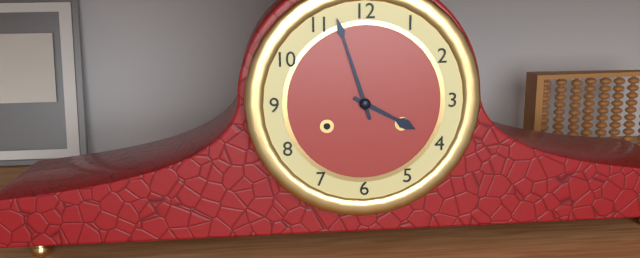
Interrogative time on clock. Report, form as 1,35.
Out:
3,57
